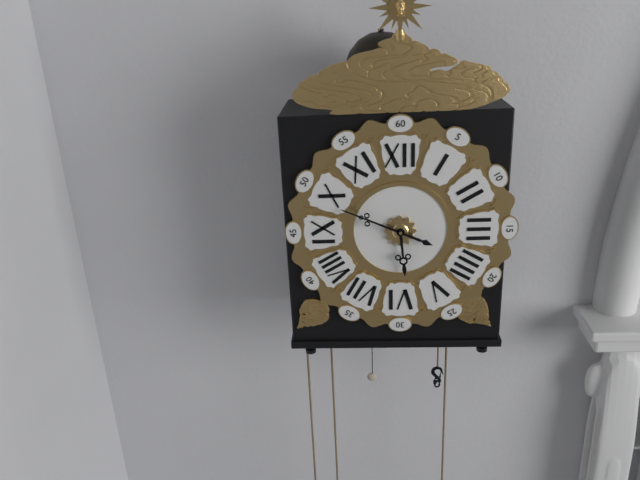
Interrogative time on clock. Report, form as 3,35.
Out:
5,49
